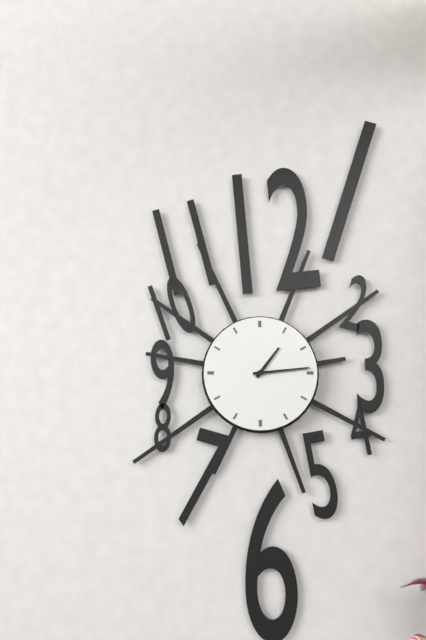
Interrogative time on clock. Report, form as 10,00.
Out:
1,14
